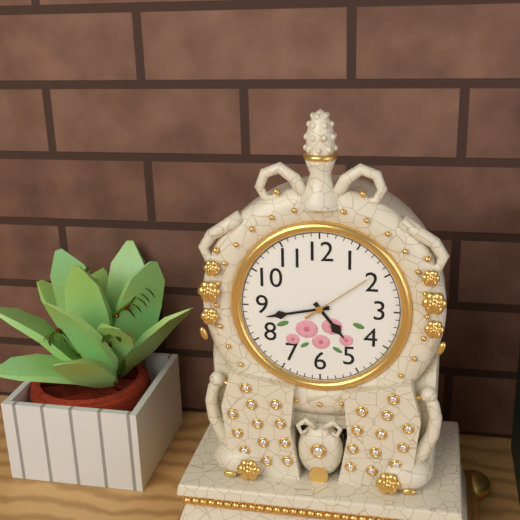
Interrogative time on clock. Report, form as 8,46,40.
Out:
4,43,09
